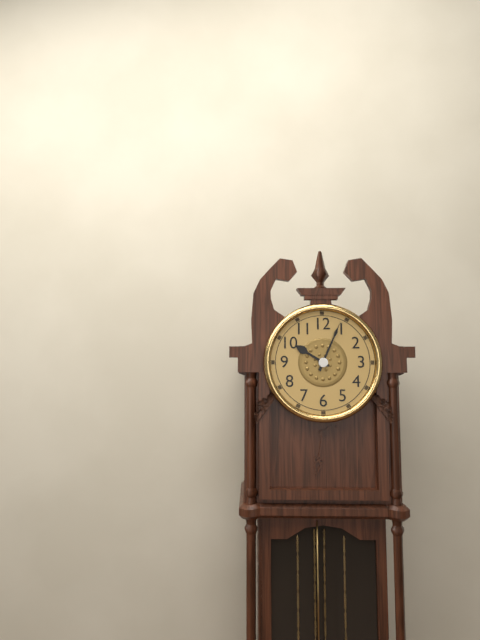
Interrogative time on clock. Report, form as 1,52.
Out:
10,04
